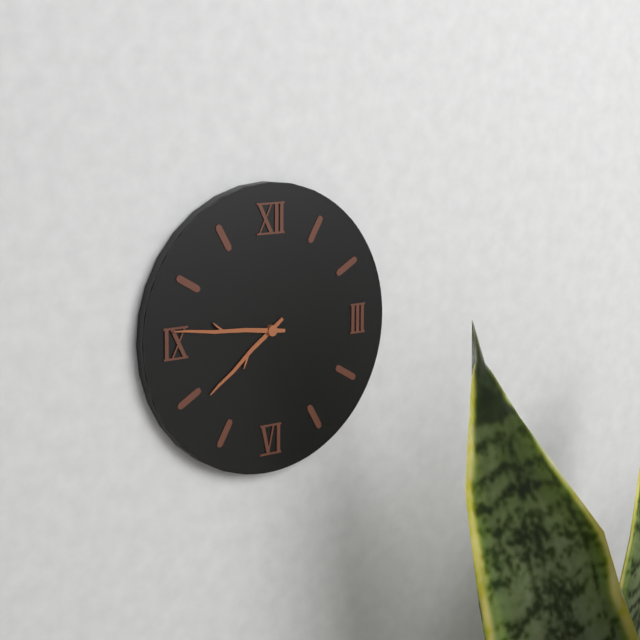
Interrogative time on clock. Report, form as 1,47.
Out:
7,46
